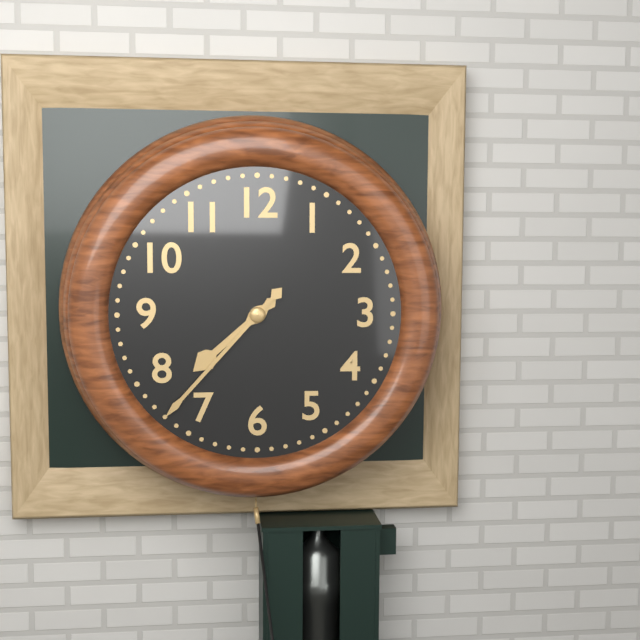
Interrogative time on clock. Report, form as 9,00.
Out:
7,37
